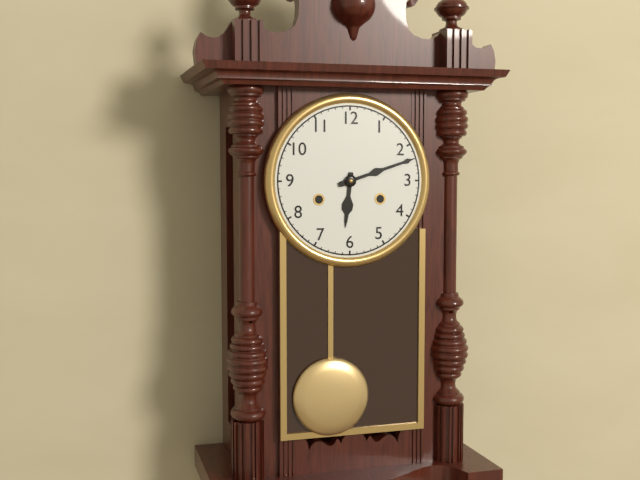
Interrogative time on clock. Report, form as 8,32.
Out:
6,12
